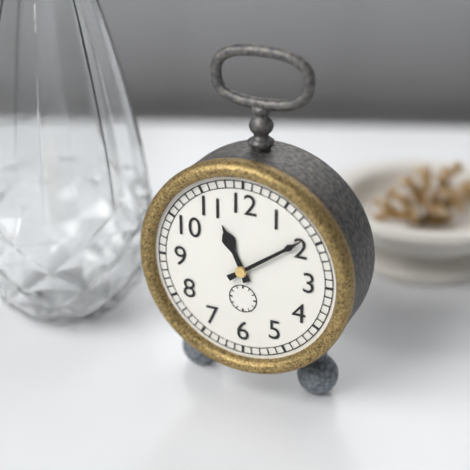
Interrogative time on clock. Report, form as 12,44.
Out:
11,09
